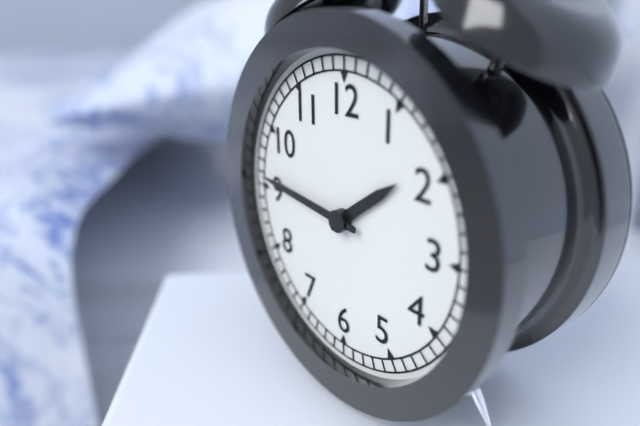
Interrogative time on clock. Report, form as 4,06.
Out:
1,46
